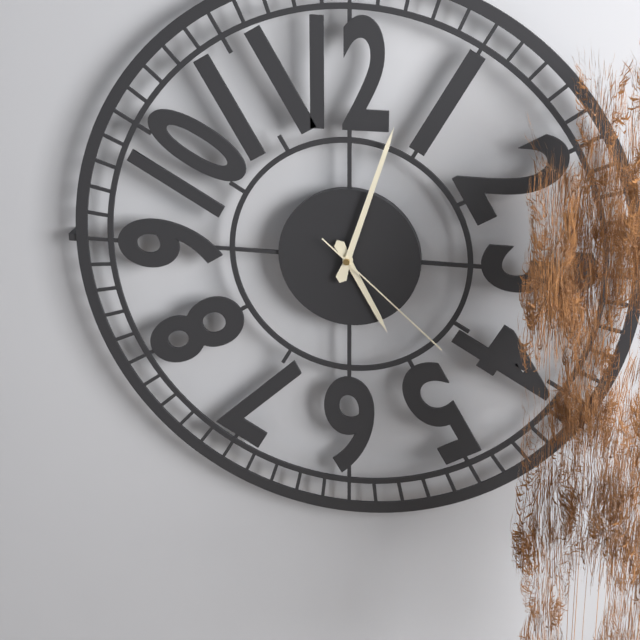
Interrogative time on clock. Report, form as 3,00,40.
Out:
5,03,22
